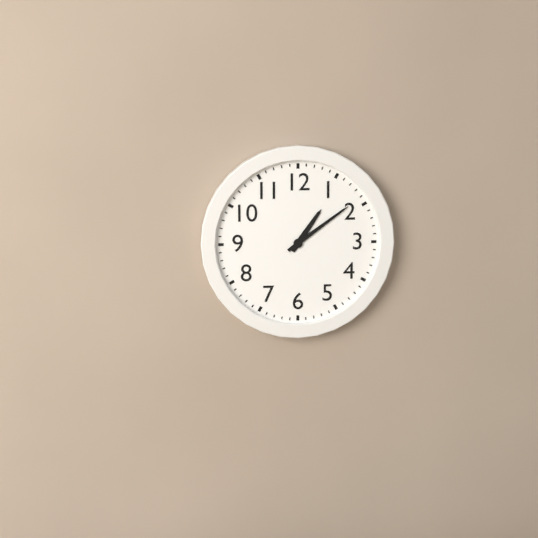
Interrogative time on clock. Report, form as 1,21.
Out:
1,09
